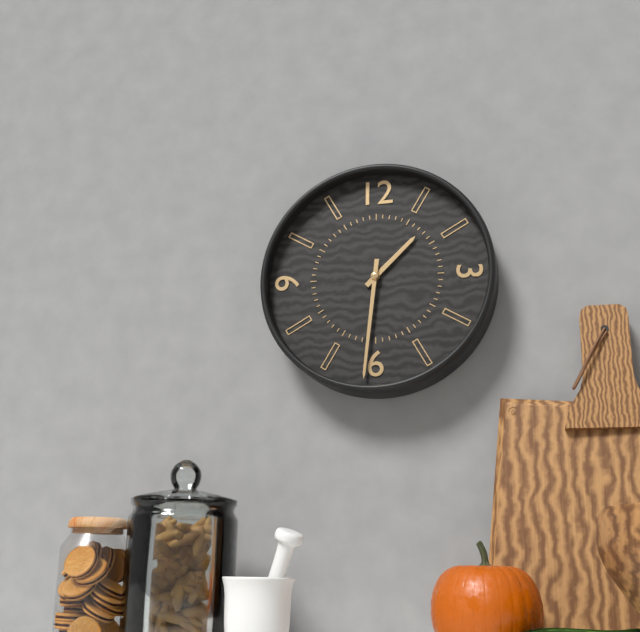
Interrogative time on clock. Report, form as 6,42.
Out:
1,31
